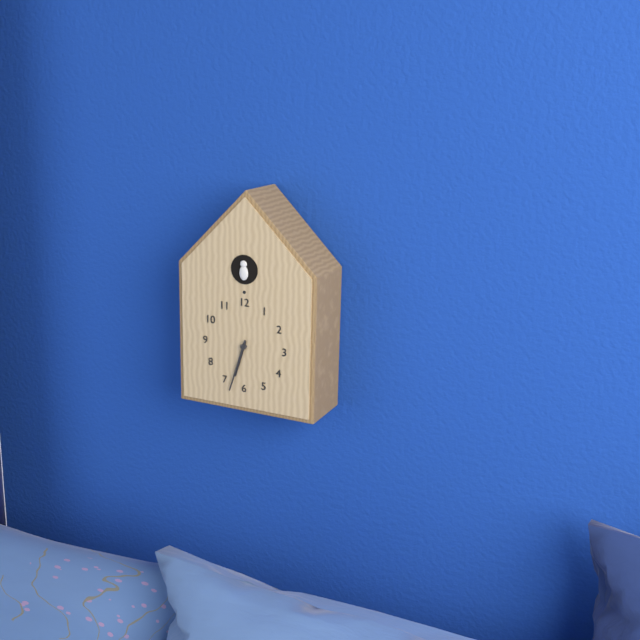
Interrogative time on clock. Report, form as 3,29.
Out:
6,33
